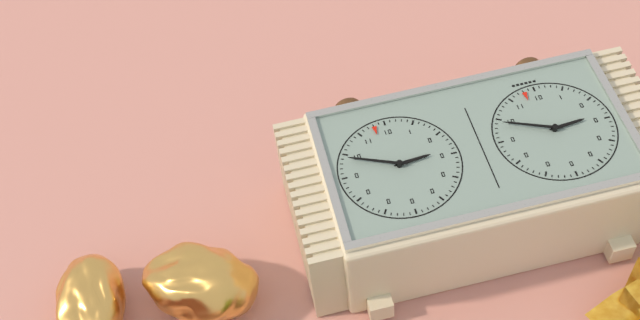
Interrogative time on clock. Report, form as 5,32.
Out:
2,49
